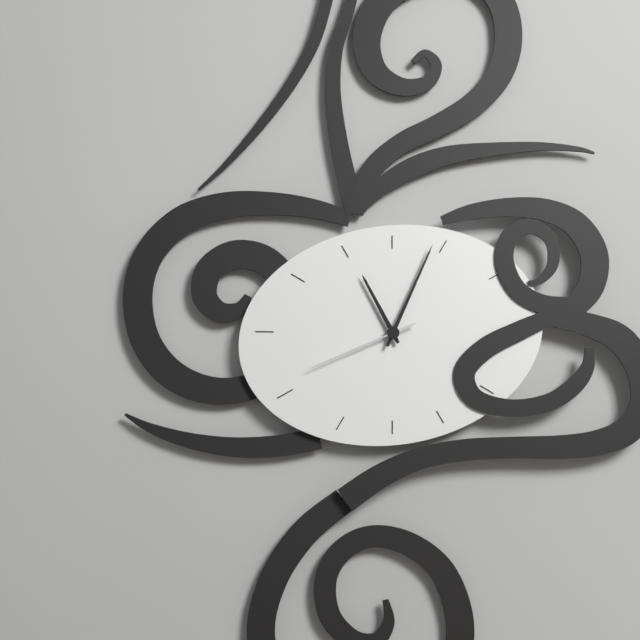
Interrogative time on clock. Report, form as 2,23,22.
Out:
11,04,41
